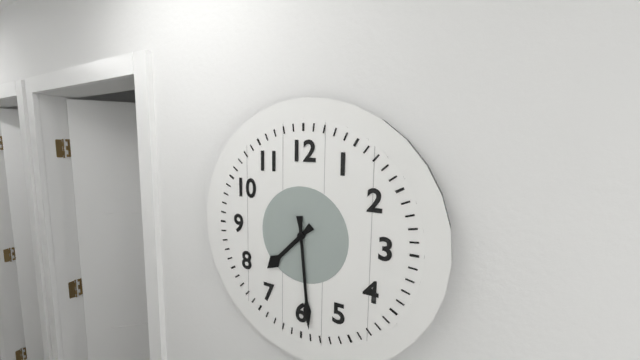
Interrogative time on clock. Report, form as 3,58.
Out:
7,29
